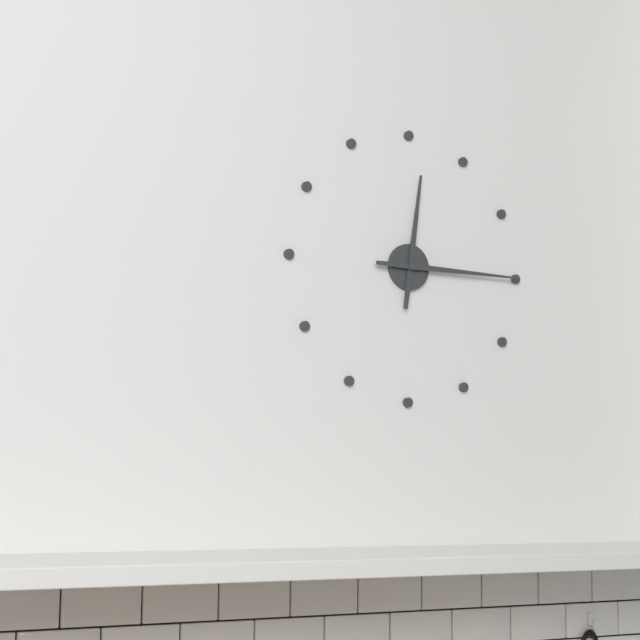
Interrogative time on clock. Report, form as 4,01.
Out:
12,15
